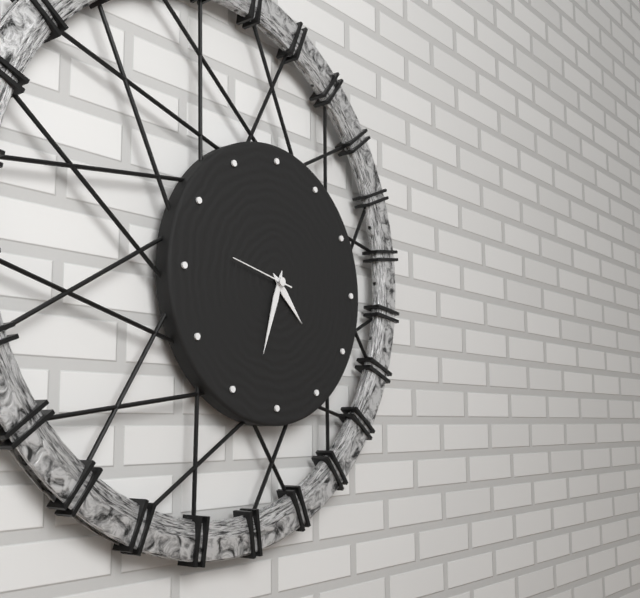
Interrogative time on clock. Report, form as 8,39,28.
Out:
4,33,47
